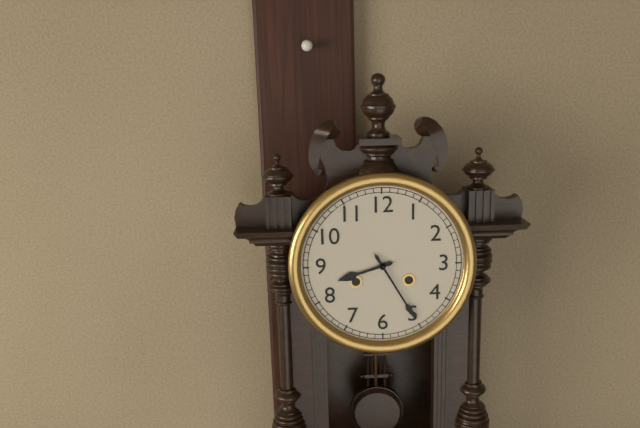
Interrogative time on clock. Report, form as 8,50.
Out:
8,25
